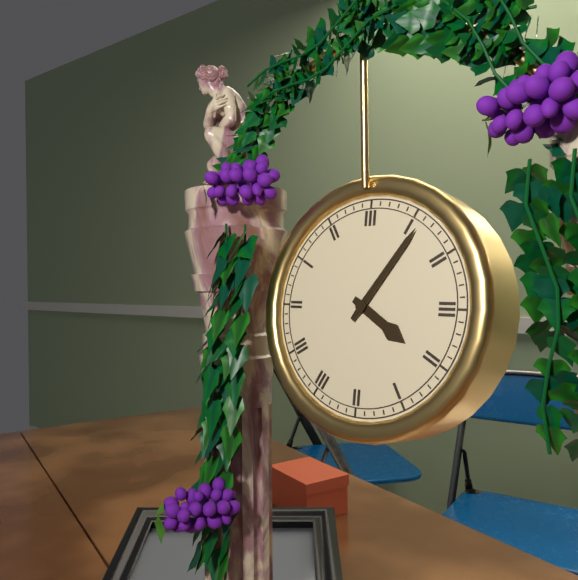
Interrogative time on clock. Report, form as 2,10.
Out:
4,06
